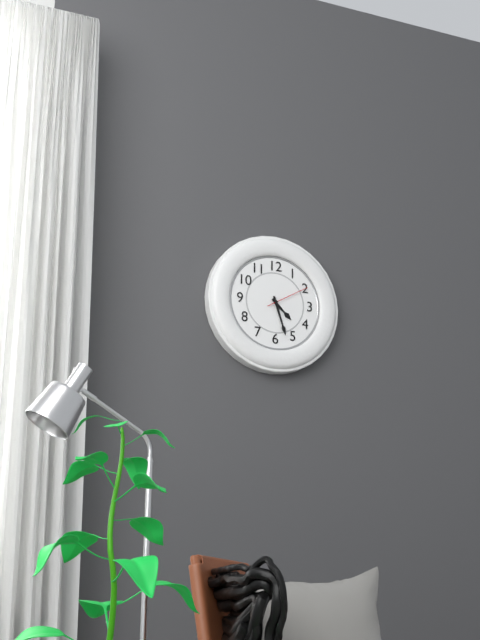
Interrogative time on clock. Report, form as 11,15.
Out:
4,27
